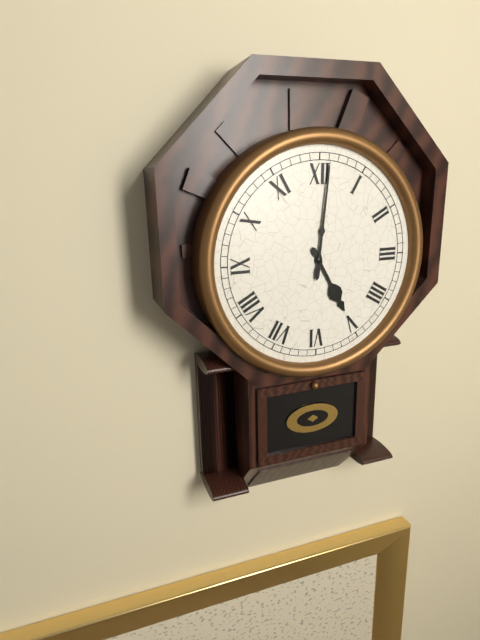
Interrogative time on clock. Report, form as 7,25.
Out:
5,01
